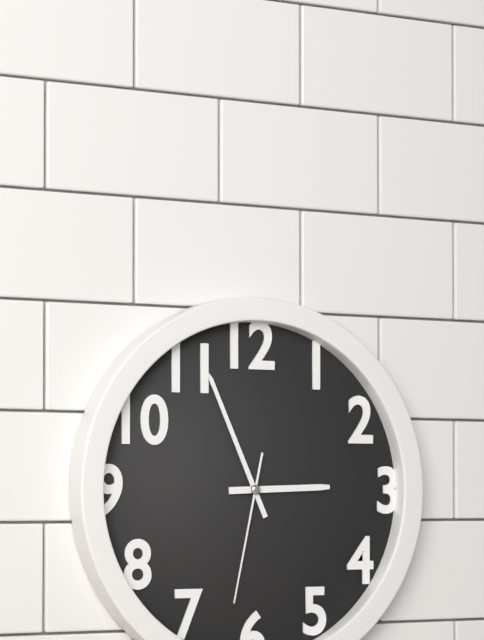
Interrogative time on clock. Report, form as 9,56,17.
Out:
2,56,32
